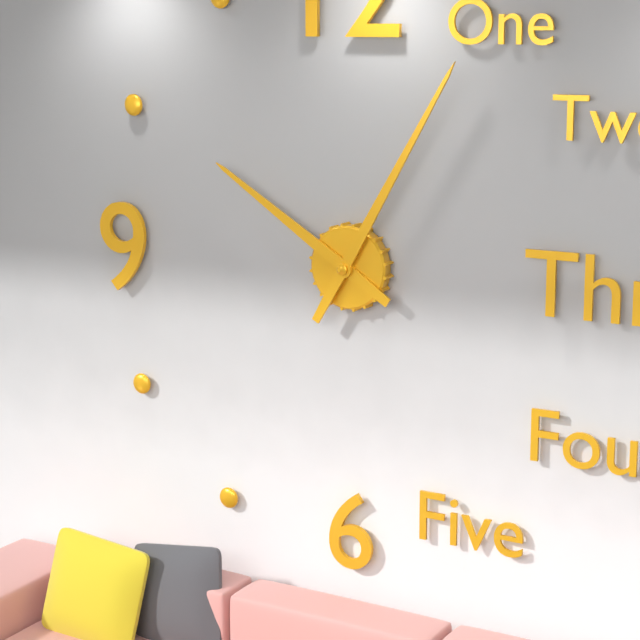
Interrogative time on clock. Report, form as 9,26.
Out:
10,05
